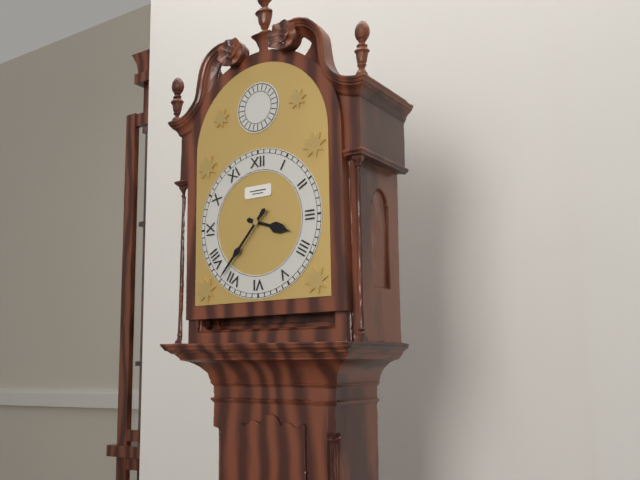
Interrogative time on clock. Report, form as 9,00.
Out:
3,37
